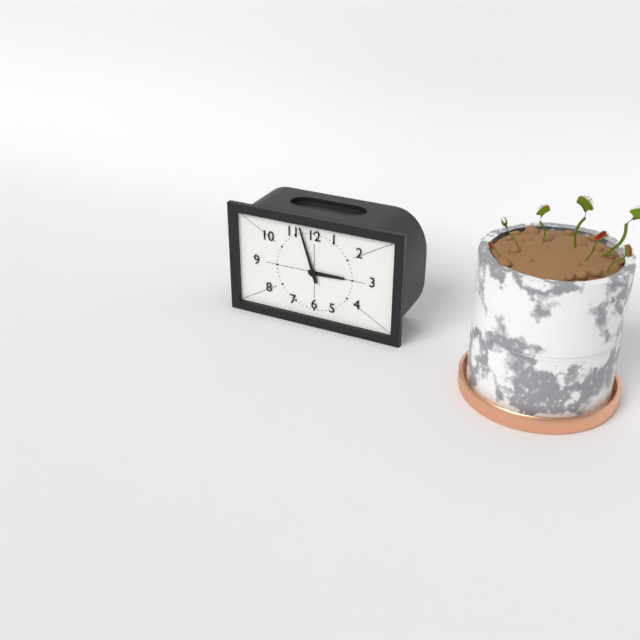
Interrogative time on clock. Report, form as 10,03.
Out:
2,57
